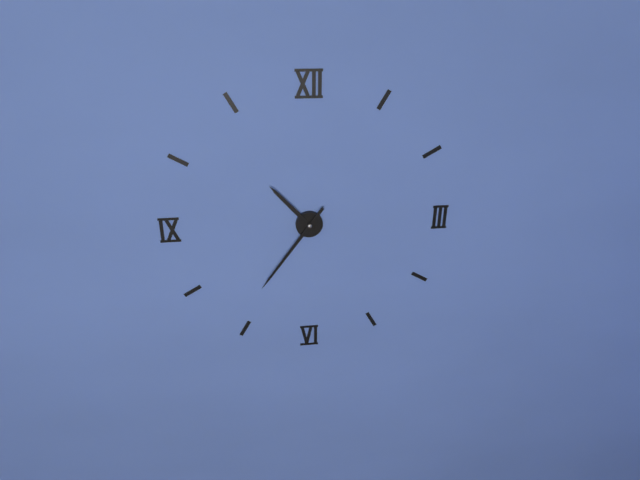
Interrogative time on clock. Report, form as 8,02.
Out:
10,36
